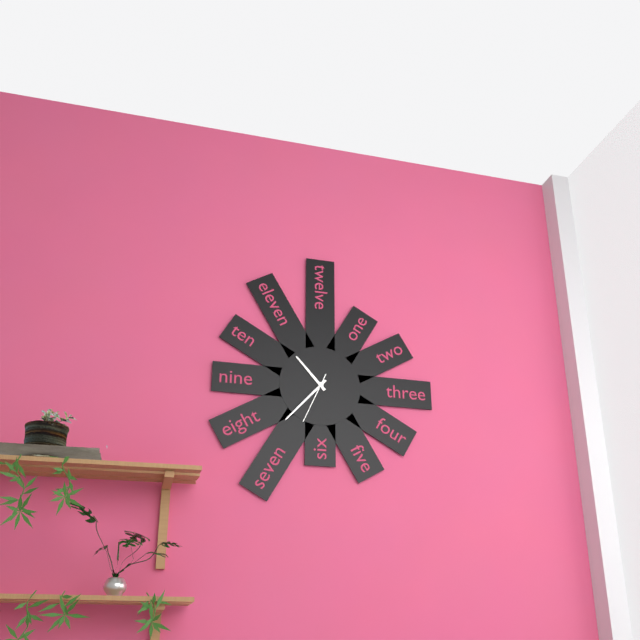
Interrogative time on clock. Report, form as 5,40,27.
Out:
10,37,34
